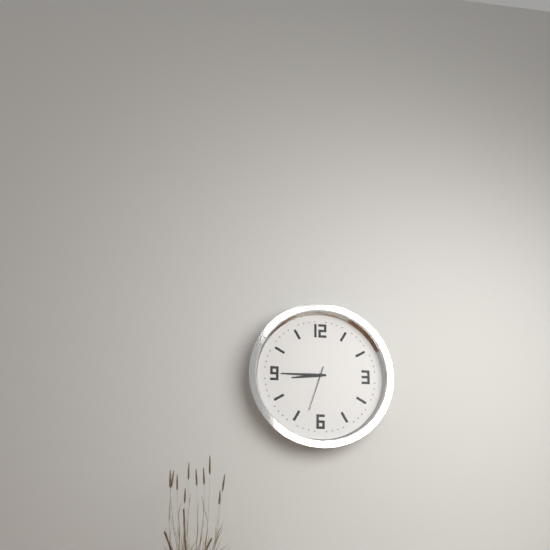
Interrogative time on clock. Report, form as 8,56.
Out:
8,45
